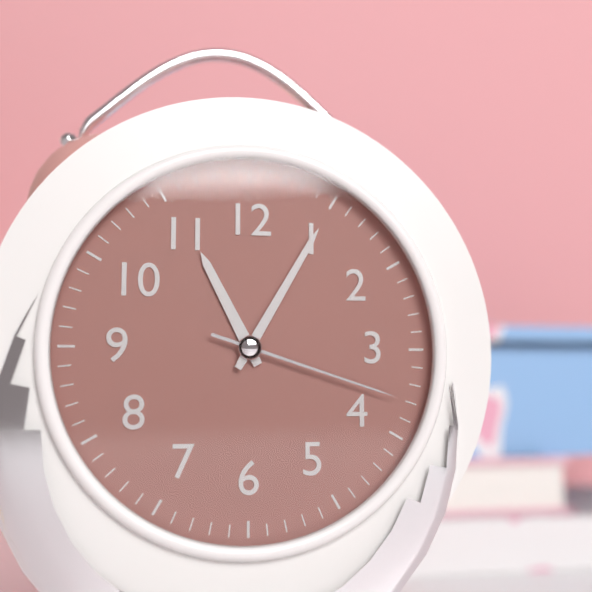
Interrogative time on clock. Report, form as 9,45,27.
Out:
11,05,18
